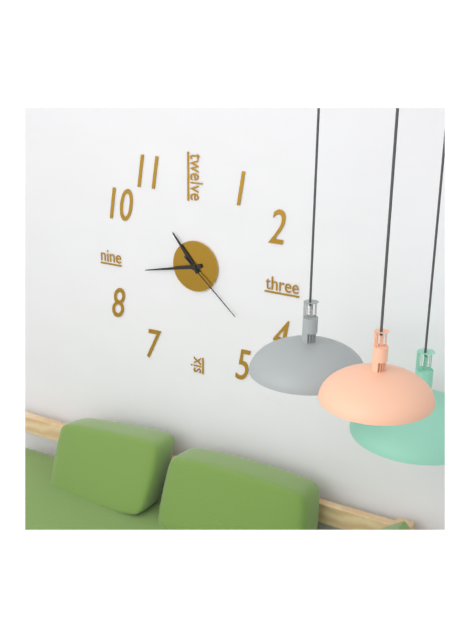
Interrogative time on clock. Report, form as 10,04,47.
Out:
10,43,22
